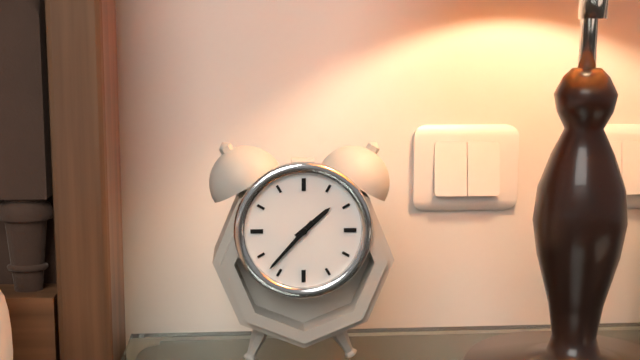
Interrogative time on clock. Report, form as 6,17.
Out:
1,37
